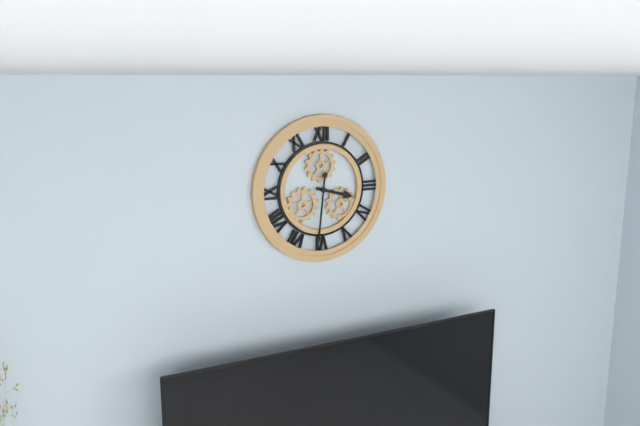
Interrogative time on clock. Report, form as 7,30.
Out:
3,31
